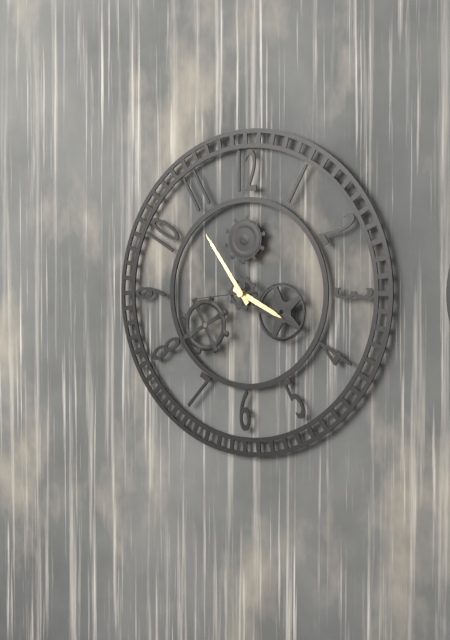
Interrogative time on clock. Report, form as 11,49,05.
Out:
3,54,44
